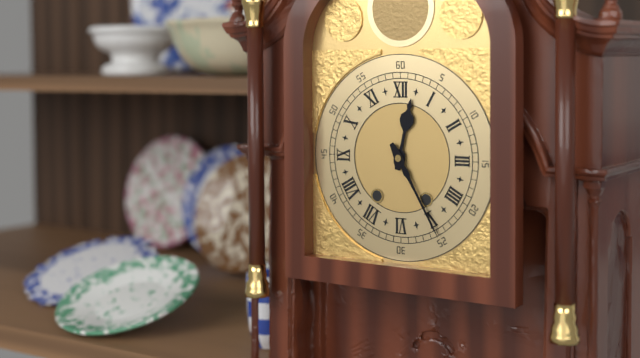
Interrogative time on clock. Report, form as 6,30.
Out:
12,25
